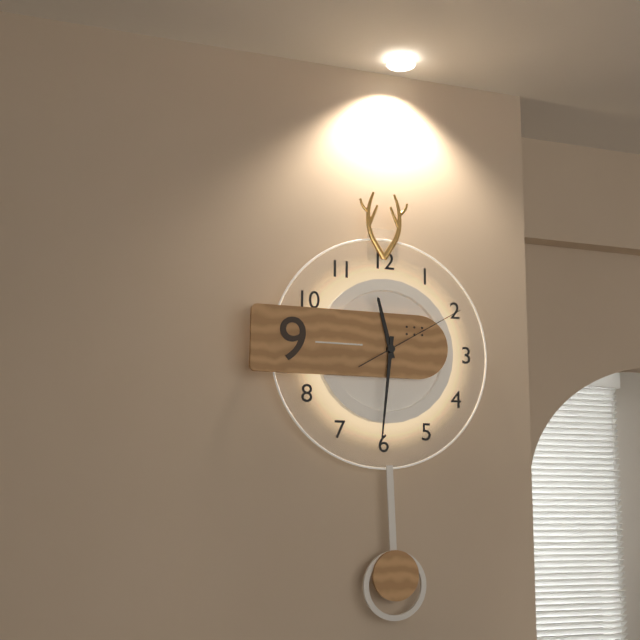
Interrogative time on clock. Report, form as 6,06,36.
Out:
11,31,10
